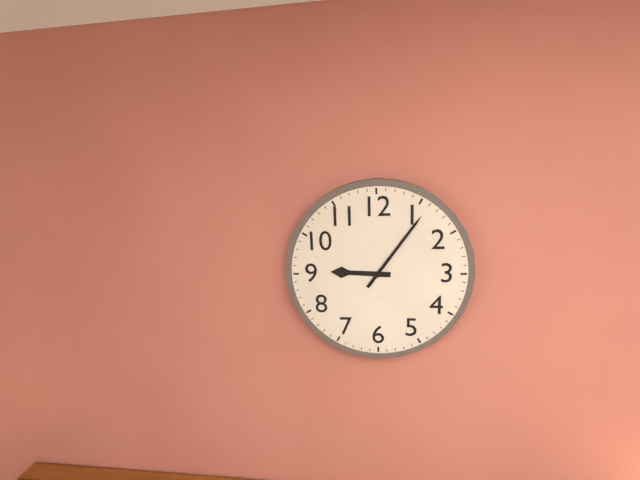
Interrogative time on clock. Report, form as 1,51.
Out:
9,06
